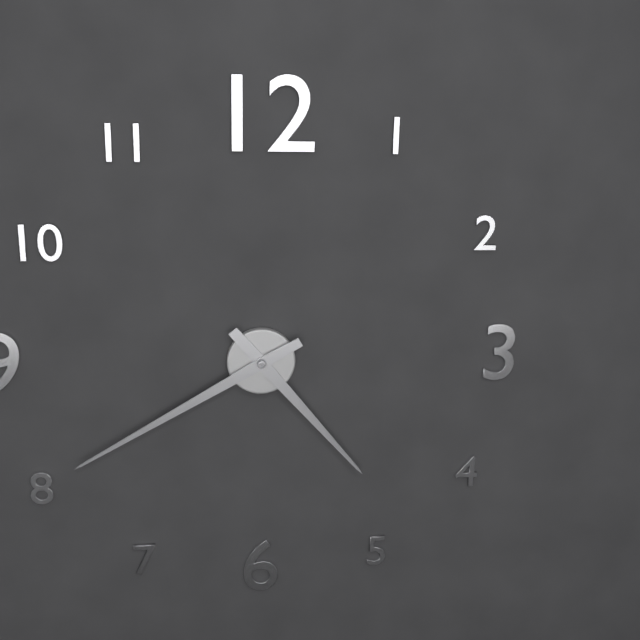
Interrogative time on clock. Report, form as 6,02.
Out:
4,40
